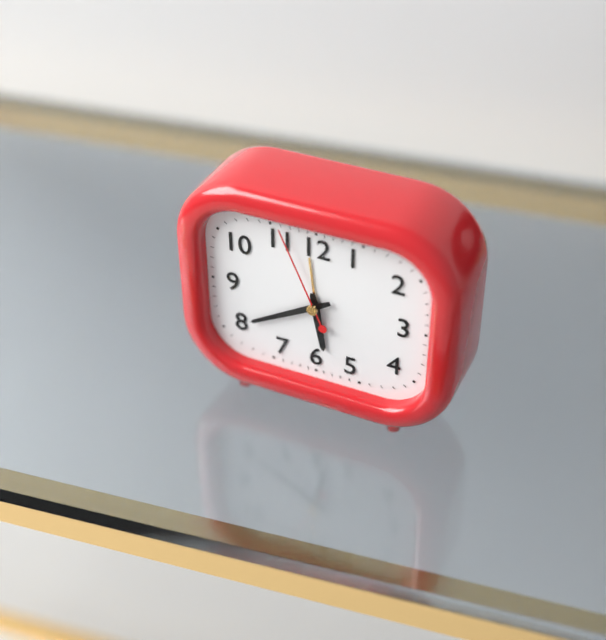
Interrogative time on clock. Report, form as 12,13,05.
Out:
5,40,56
